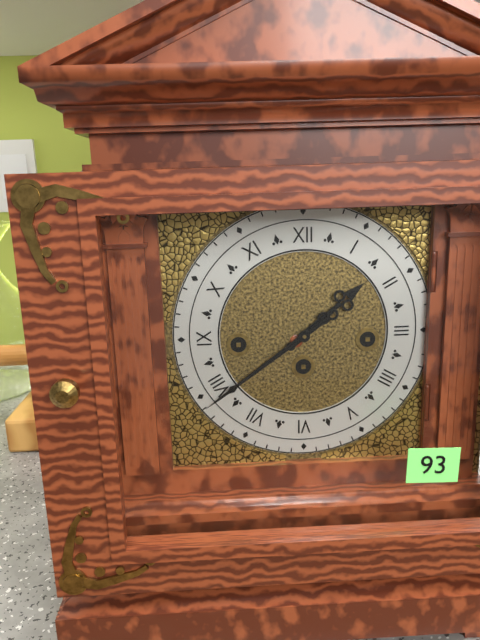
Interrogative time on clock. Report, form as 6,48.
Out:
1,39
